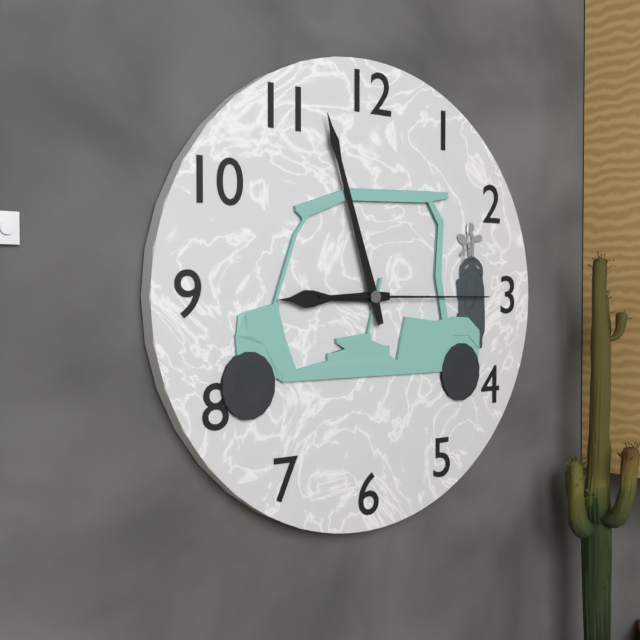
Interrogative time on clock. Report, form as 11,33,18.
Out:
8,57,15
